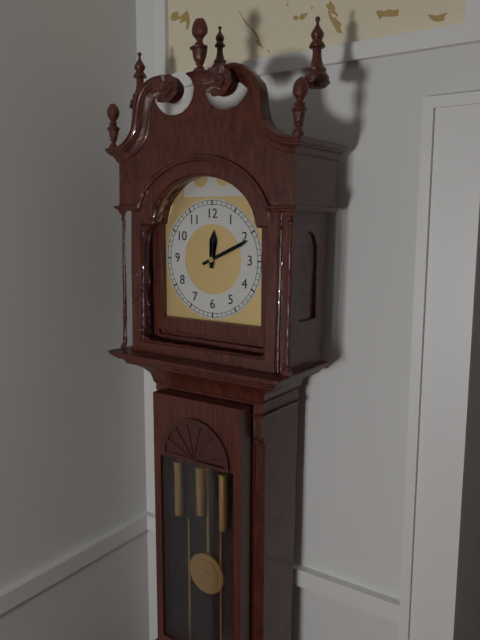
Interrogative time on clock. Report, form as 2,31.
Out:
12,11
